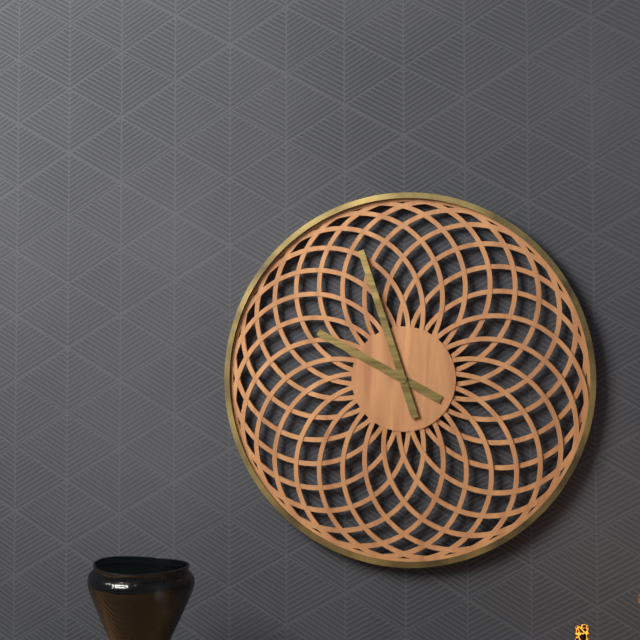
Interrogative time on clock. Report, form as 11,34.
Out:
9,57
